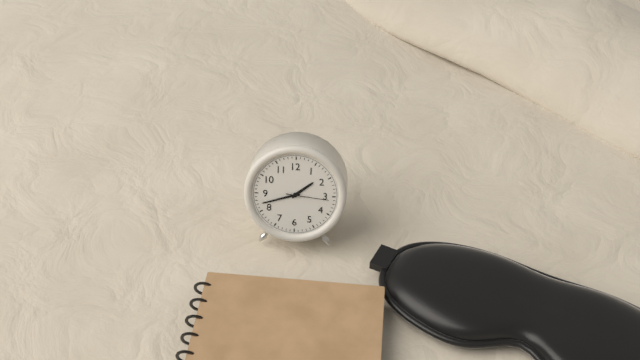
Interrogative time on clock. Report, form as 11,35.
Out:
1,42
